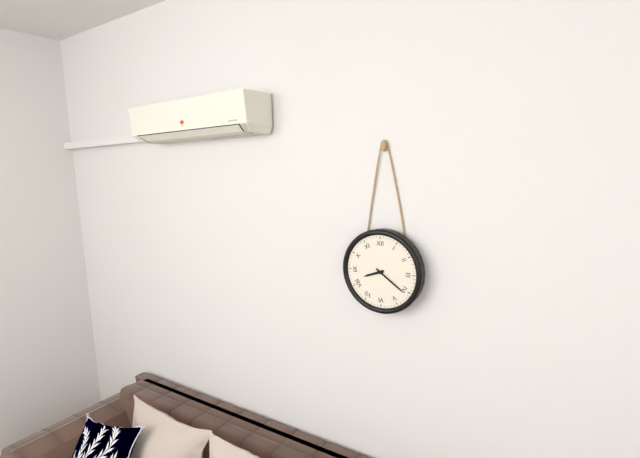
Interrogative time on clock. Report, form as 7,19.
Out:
8,21
